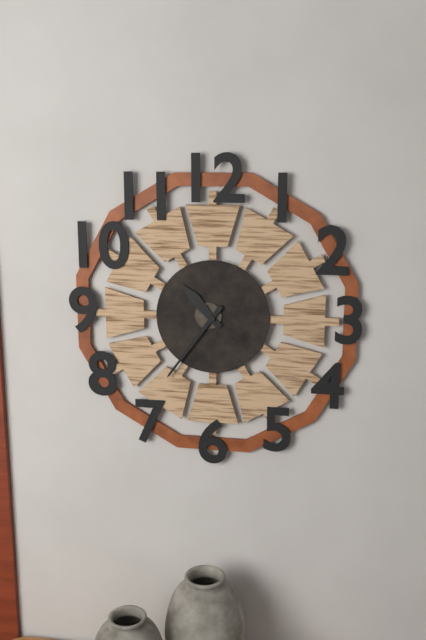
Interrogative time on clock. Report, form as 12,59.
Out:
10,36
